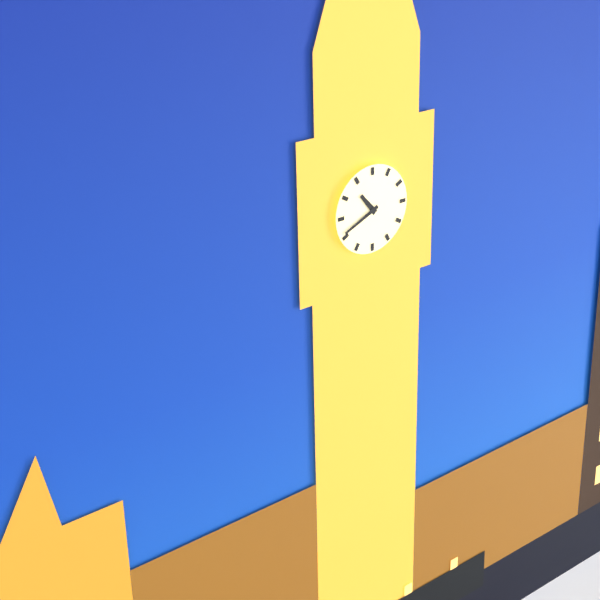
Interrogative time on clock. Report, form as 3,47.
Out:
10,41
